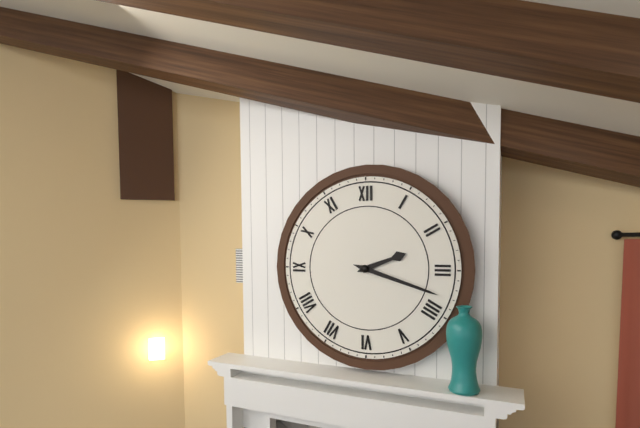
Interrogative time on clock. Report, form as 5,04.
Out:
2,18
